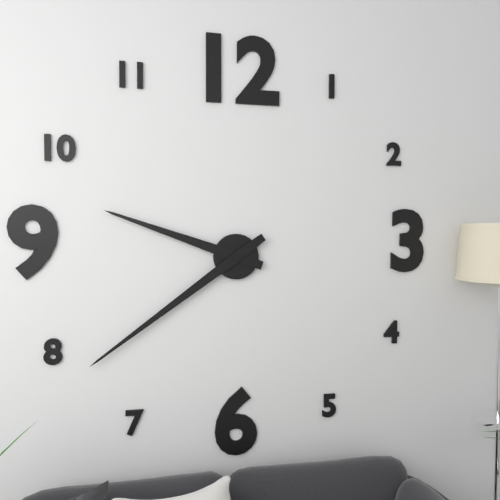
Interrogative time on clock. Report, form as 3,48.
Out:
9,39
